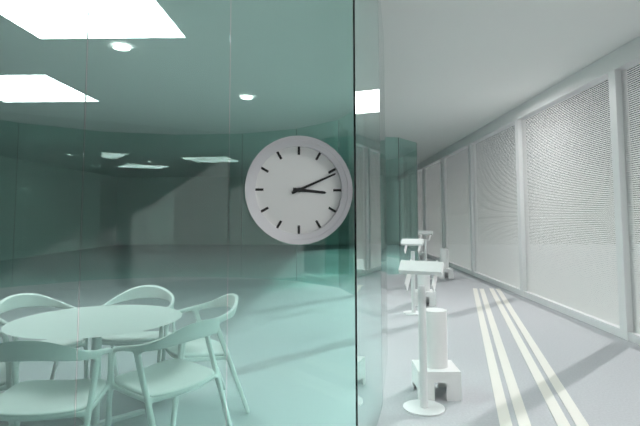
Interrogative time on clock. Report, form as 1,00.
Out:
3,11
